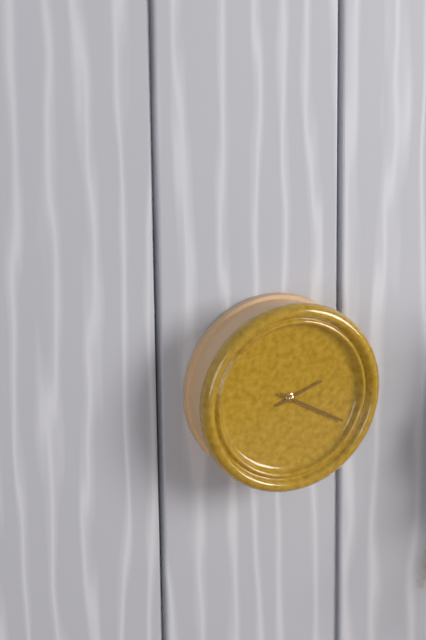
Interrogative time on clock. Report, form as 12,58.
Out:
2,20
